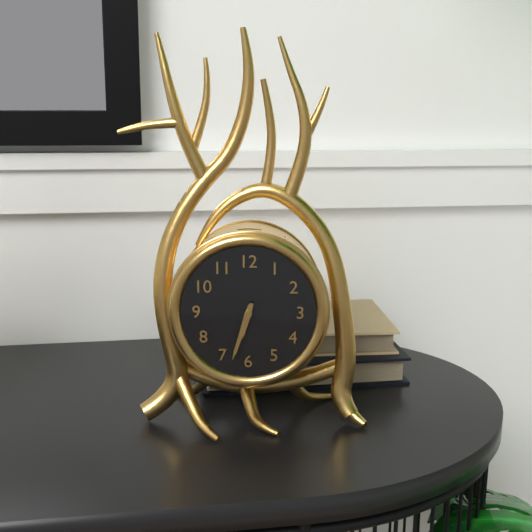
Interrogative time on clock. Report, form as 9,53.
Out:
6,33
